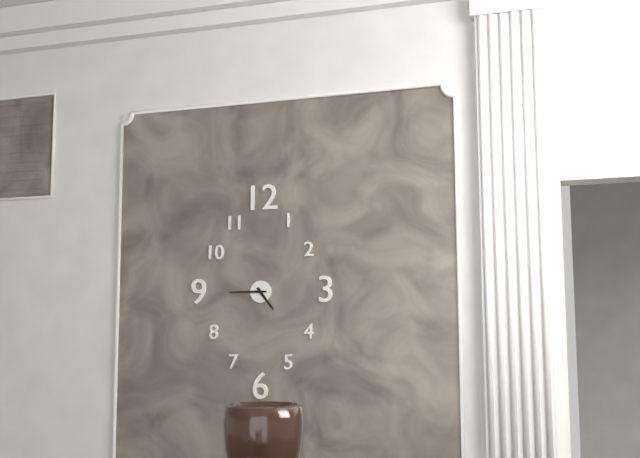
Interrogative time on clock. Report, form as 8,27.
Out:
4,45
